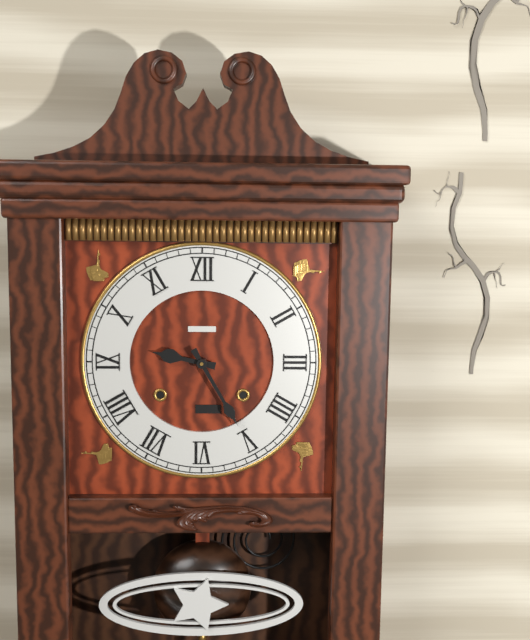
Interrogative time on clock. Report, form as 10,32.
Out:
9,25
